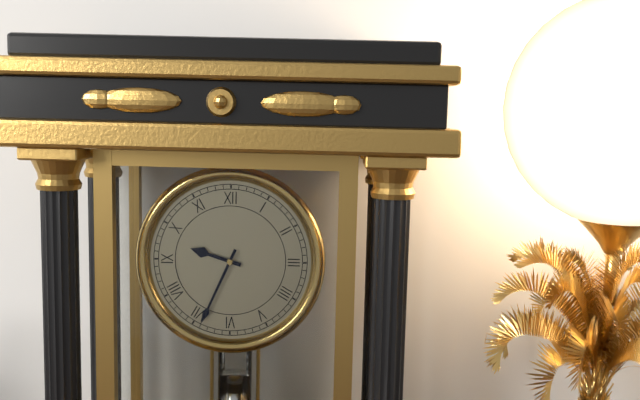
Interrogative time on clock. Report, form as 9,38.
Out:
9,34
